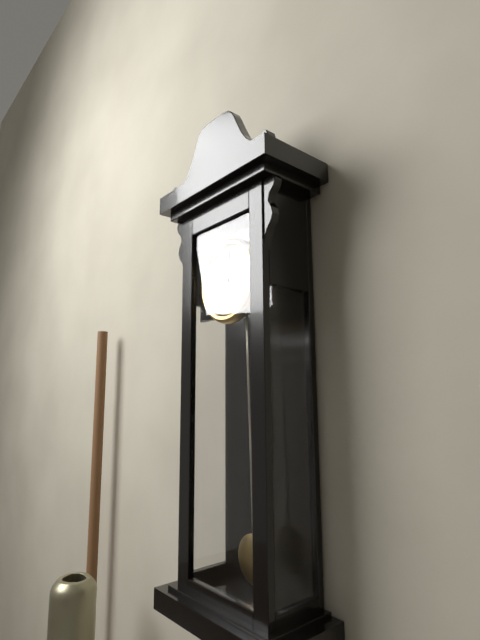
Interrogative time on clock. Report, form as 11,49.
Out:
11,01
